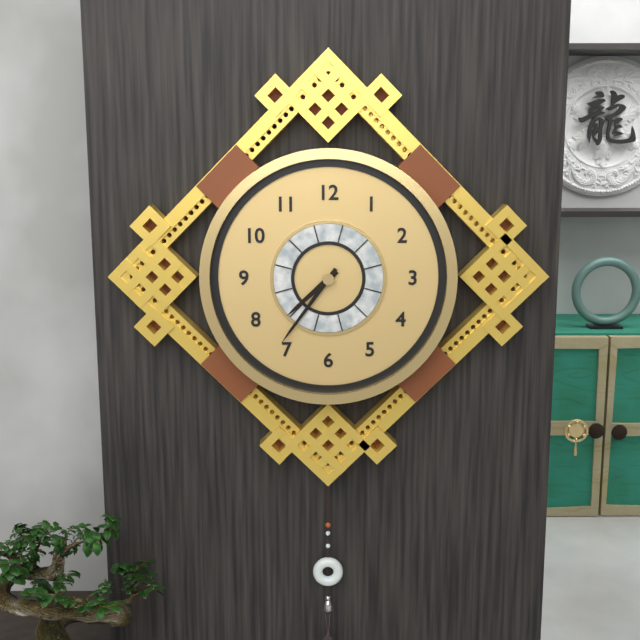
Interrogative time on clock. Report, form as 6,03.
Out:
7,36
